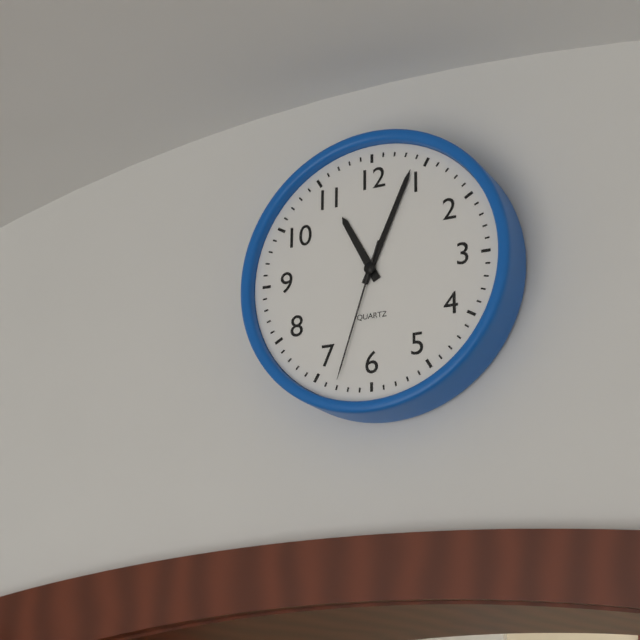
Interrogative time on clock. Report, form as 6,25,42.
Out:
11,04,33
